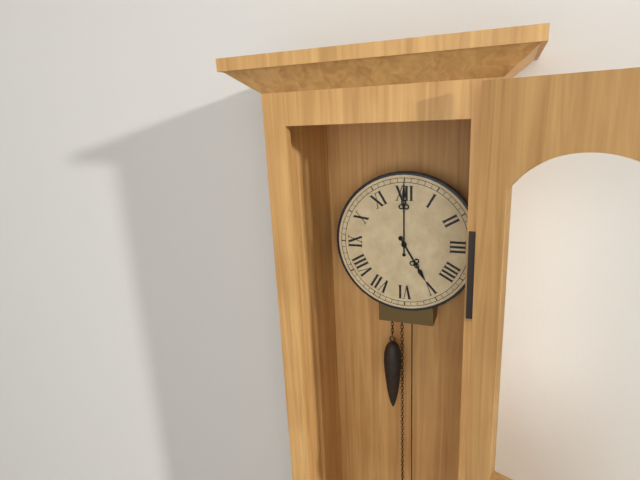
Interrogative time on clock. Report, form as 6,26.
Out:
5,00
